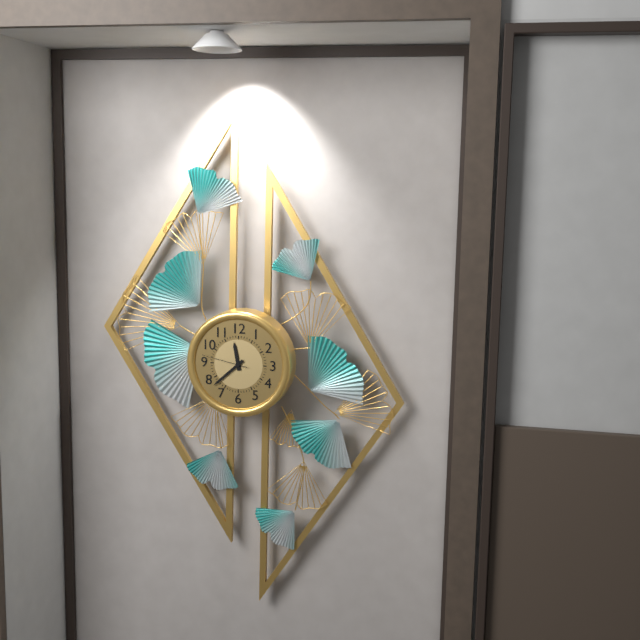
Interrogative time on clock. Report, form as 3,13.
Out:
11,38
